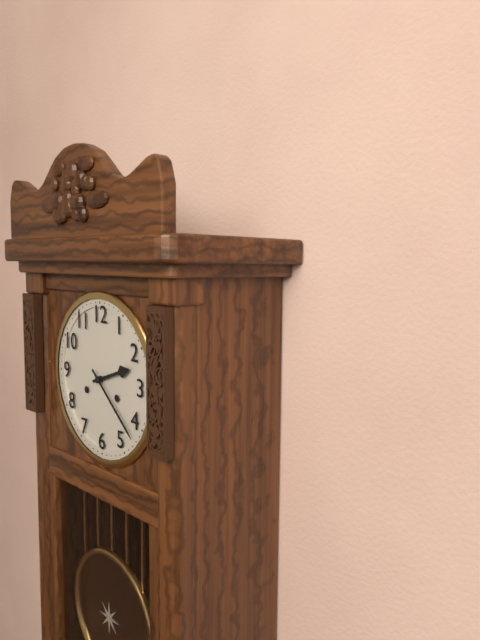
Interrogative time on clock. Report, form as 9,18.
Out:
2,22
